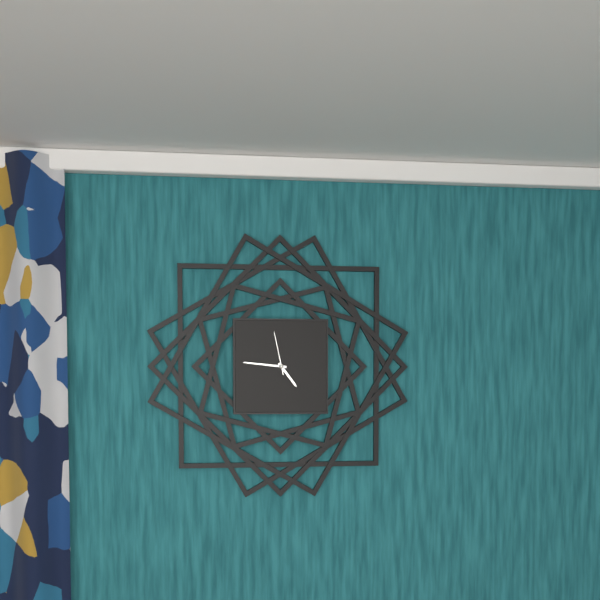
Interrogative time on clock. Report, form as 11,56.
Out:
4,46
